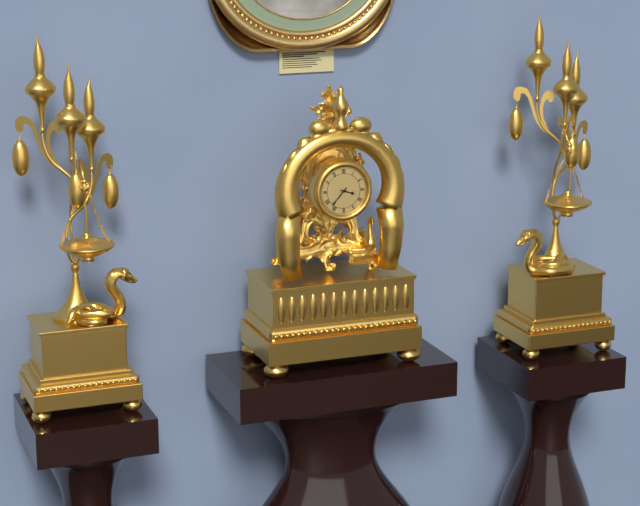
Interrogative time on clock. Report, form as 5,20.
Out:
3,37
